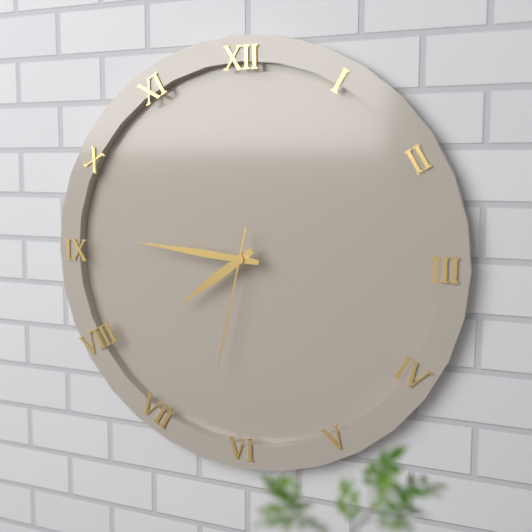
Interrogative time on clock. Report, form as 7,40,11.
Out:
7,46,32
